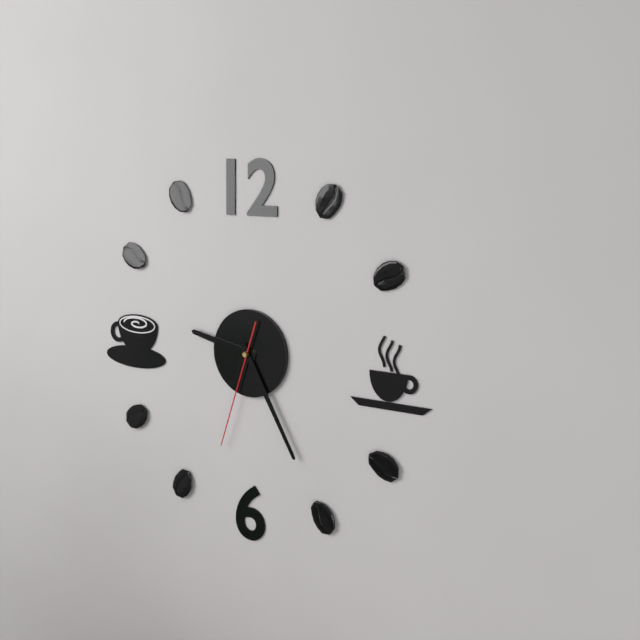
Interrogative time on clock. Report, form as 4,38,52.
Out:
9,25,33
